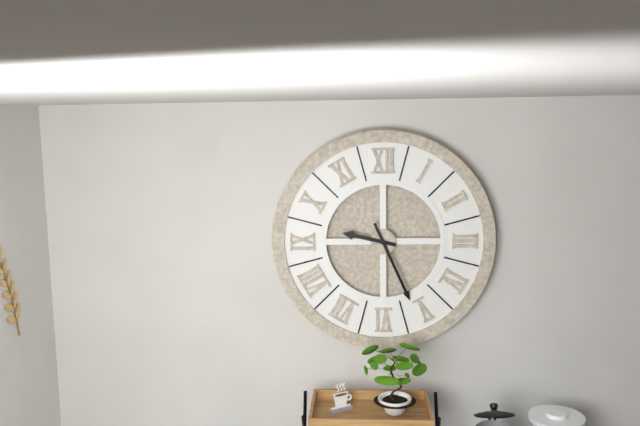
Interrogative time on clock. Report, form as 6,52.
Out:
9,26
